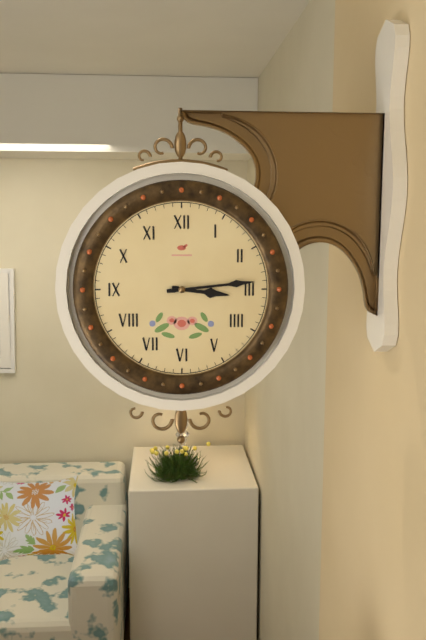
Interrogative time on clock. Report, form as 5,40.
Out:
3,14
